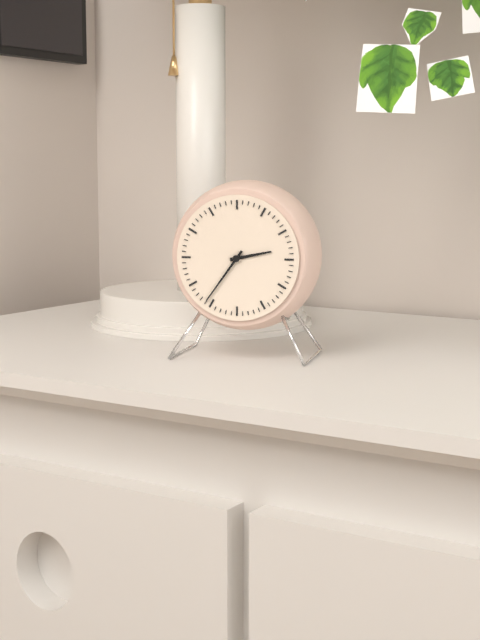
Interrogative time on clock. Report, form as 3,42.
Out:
2,36
